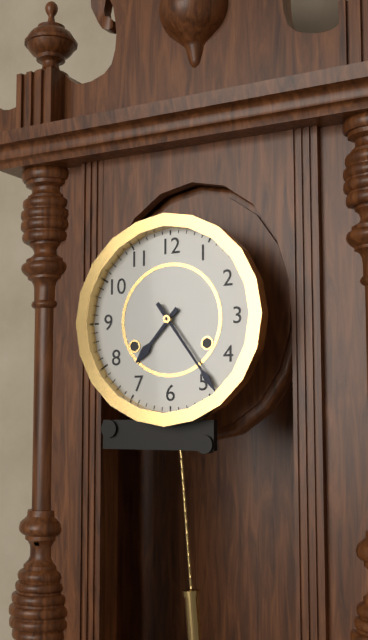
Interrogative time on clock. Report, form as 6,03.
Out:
7,24
